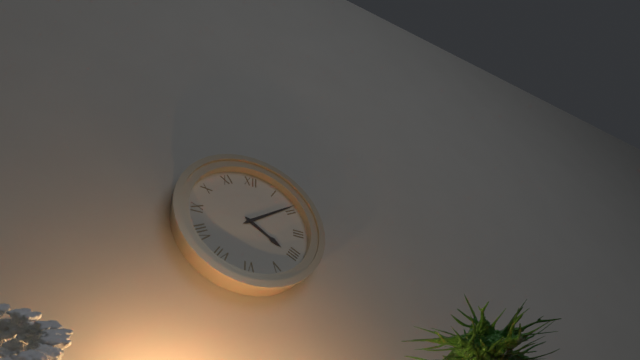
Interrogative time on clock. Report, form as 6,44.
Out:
4,09
